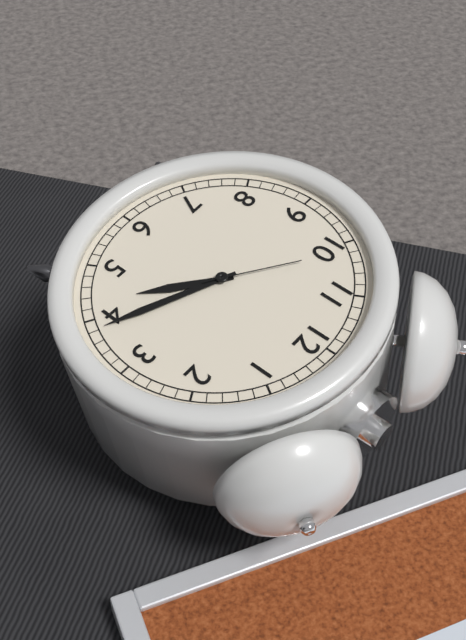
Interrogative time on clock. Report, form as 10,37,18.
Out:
4,19,51
